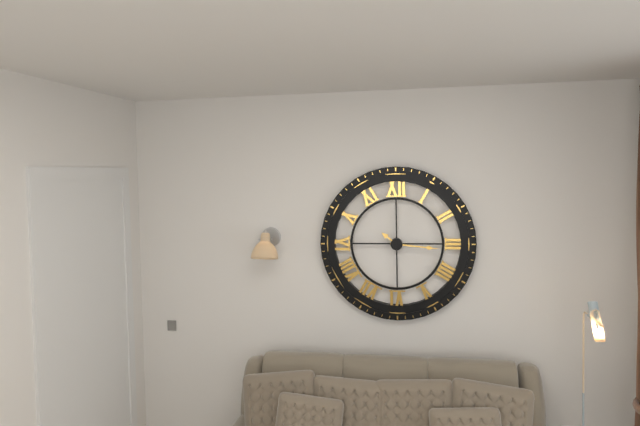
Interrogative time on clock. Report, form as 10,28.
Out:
10,16
